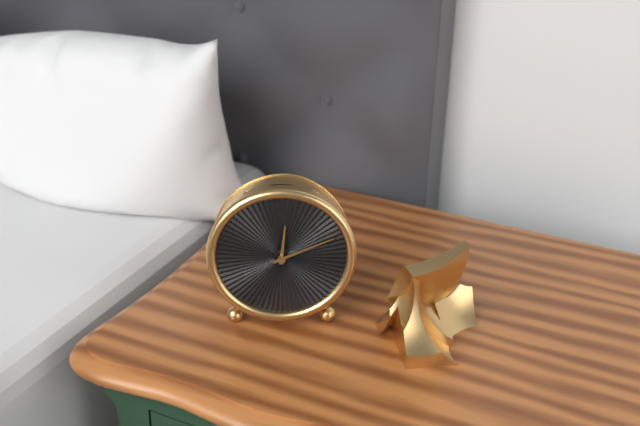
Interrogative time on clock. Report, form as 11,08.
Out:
12,11
